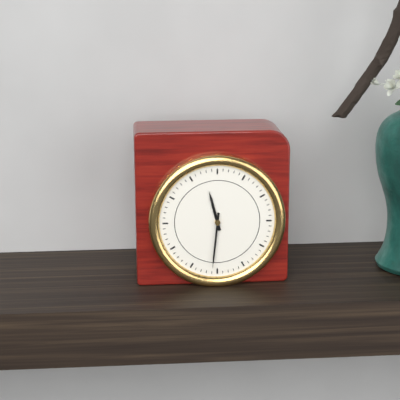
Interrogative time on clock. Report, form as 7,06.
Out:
11,31
